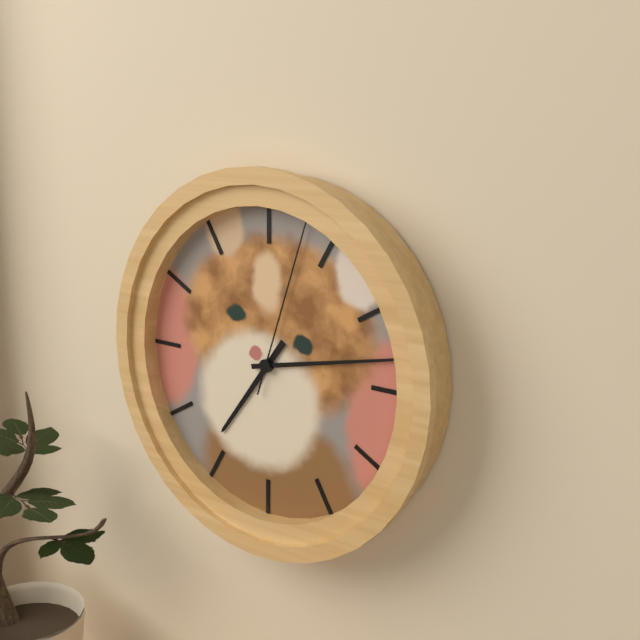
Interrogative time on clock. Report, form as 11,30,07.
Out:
7,13,03
